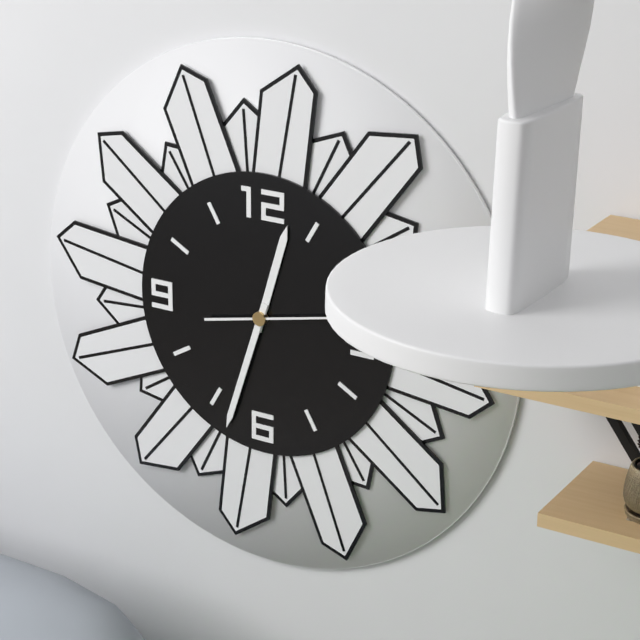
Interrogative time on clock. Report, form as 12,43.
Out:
12,33
